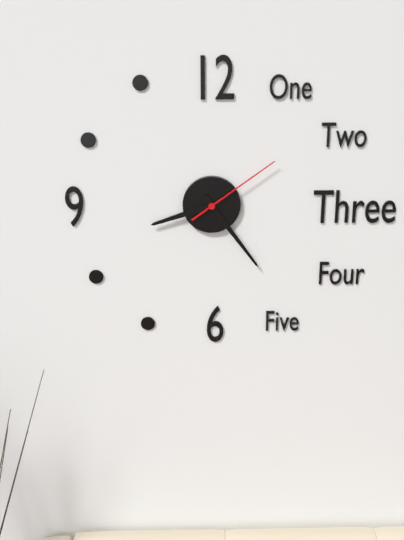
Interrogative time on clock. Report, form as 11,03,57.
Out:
8,24,09
